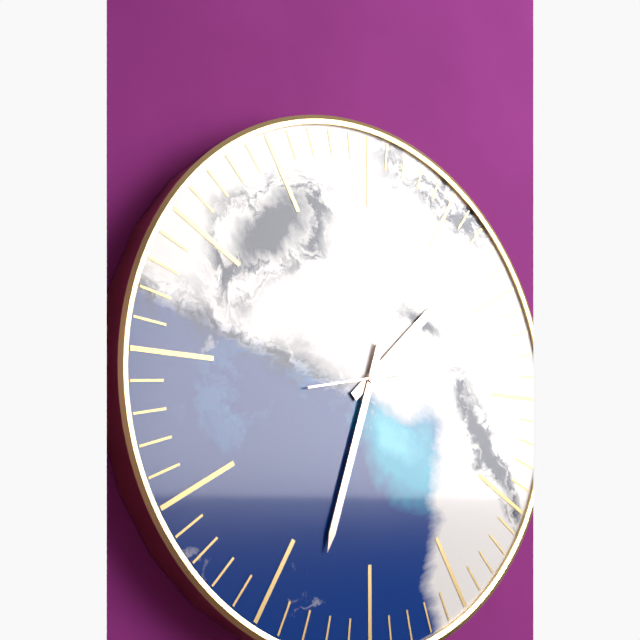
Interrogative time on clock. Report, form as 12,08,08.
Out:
1,33,13
